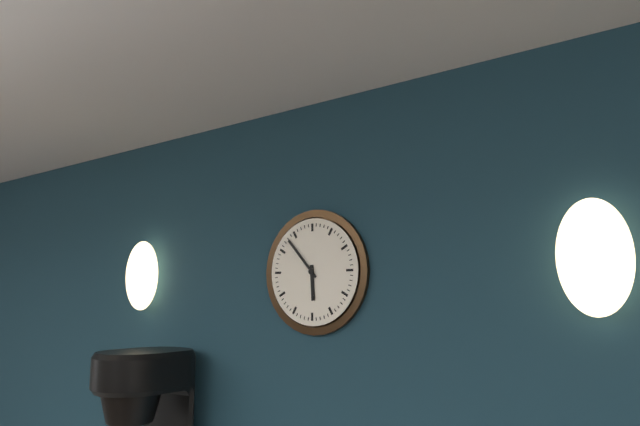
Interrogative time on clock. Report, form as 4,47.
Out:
5,53
